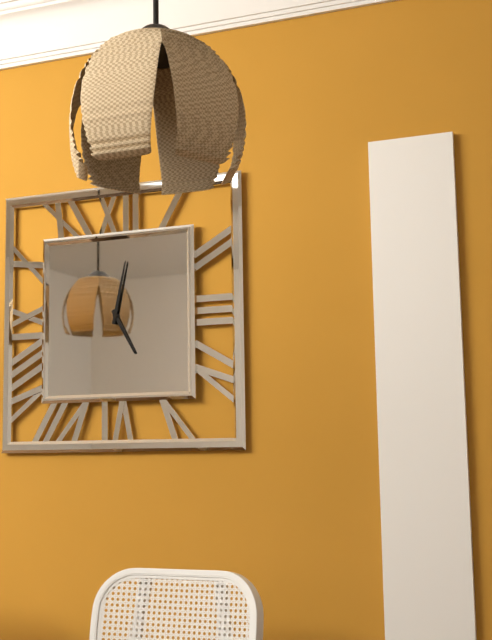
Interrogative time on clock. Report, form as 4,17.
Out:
5,02
